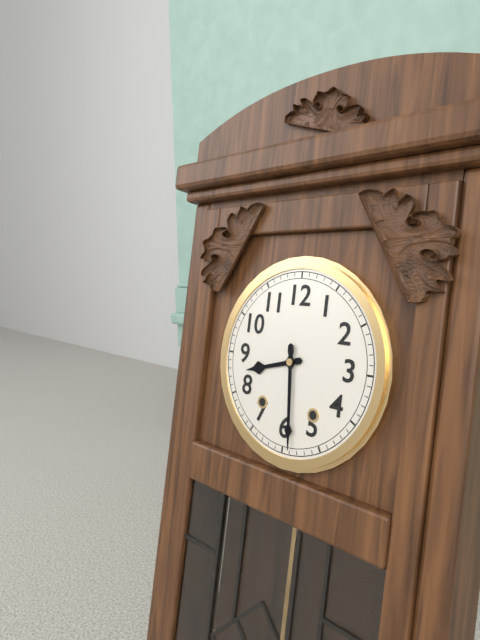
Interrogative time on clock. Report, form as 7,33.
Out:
8,29
